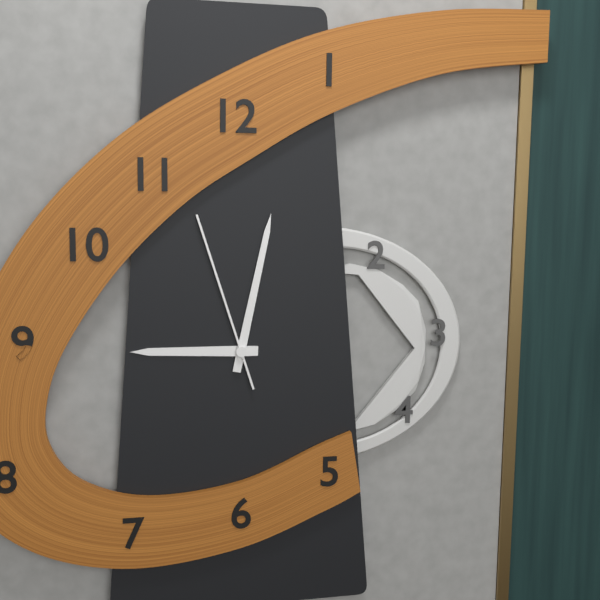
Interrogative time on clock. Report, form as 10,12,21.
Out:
9,02,57
